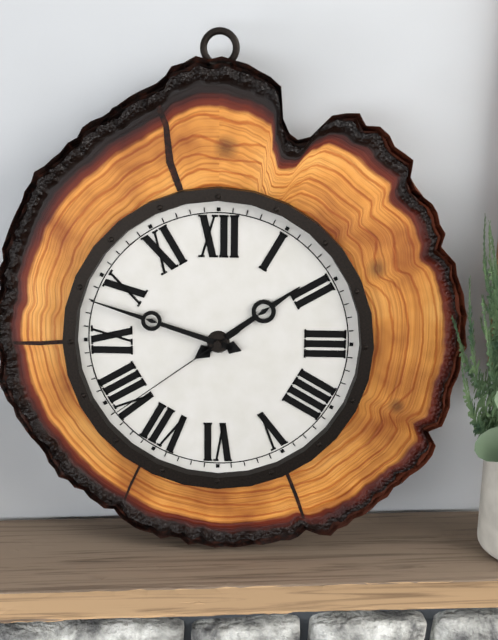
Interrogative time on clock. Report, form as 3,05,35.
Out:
1,48,39
